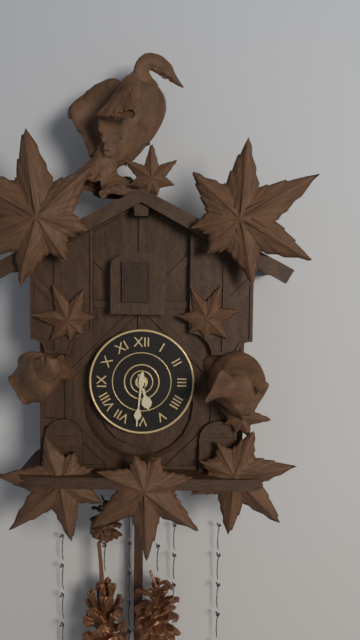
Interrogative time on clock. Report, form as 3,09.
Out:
5,31
